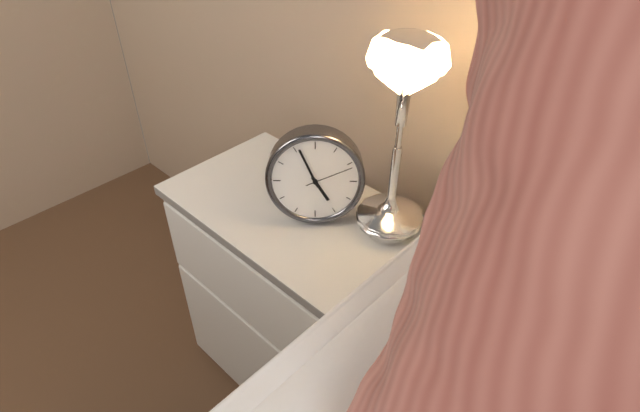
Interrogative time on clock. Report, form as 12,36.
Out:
4,56
